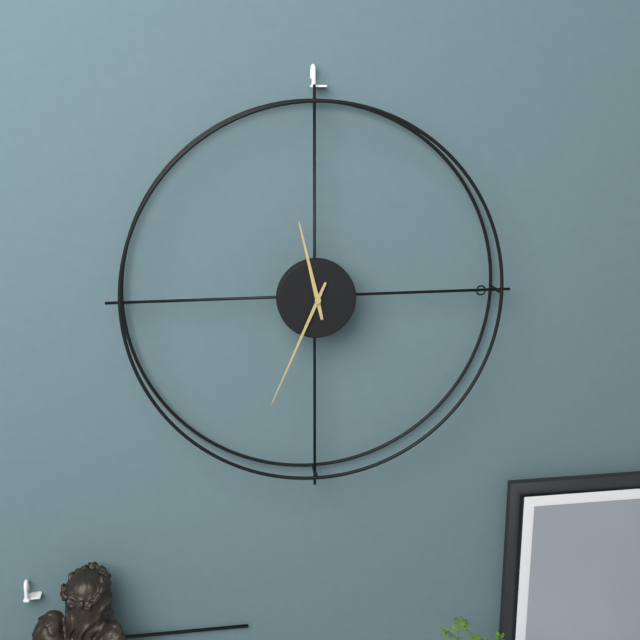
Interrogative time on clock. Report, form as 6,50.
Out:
11,34
